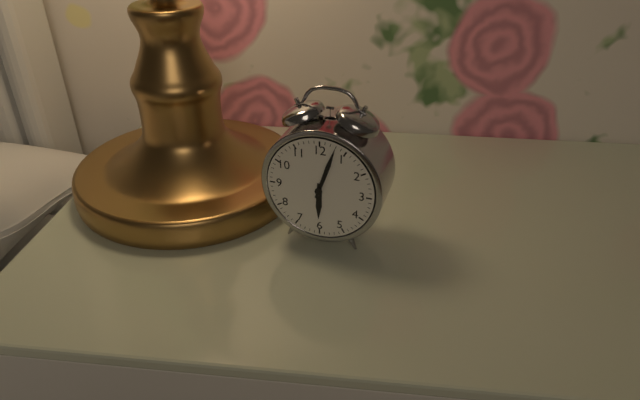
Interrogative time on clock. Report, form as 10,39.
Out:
6,03
